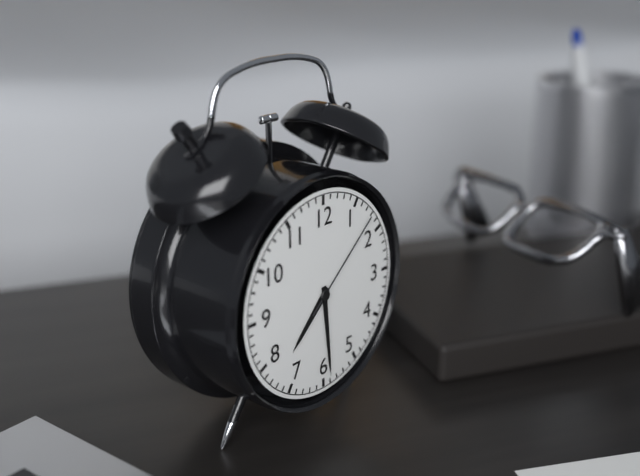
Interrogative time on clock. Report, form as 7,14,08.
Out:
7,29,08
